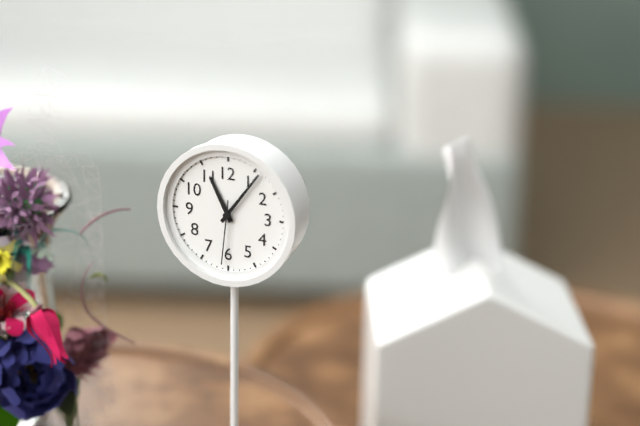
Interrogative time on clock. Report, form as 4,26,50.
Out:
11,06,31
